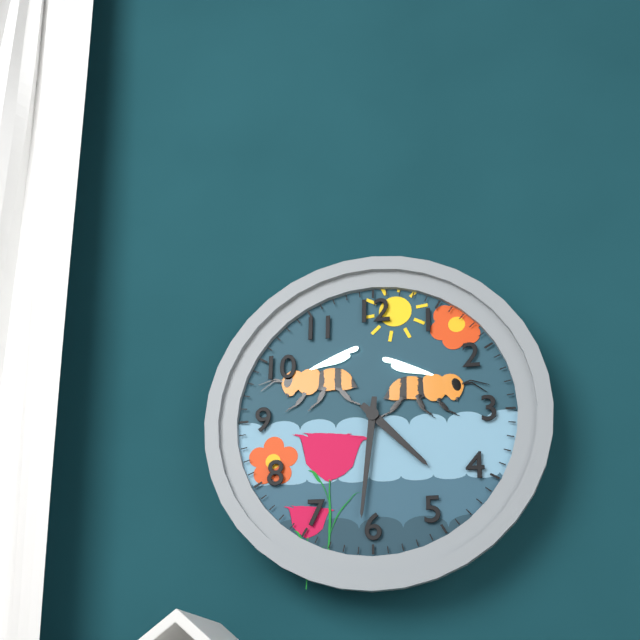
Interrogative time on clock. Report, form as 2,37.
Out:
4,31
